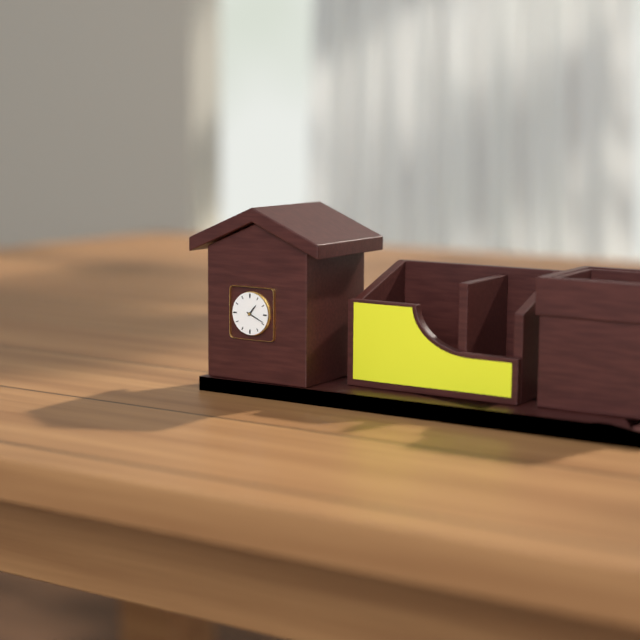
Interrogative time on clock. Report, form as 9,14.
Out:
1,19
